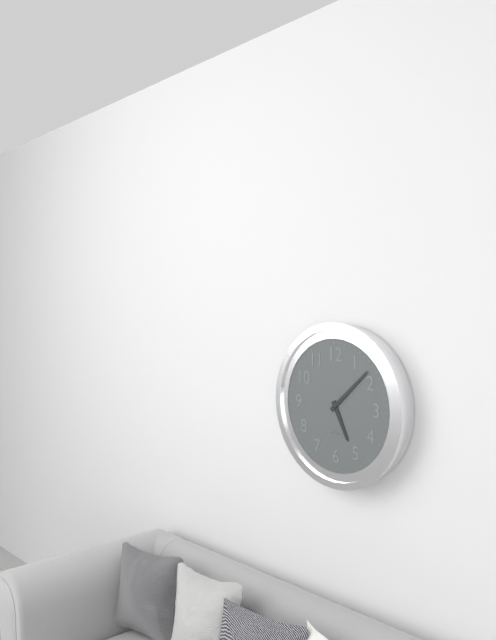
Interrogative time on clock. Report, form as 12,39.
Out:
5,08
